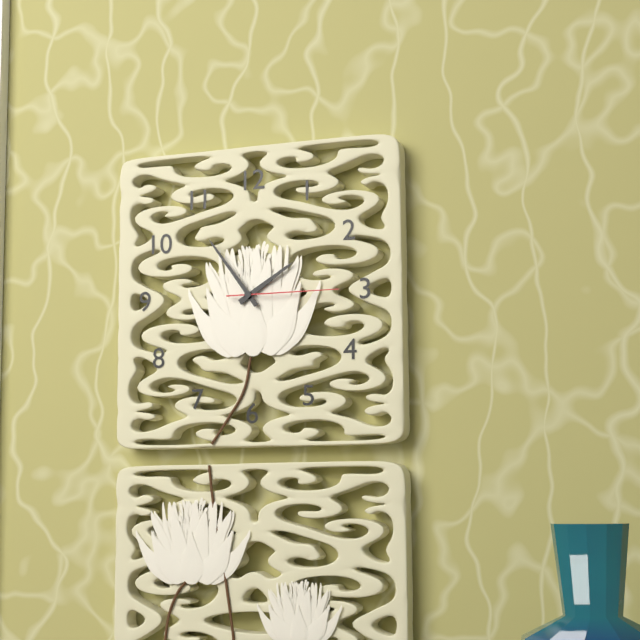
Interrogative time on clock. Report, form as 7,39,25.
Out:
1,54,15
